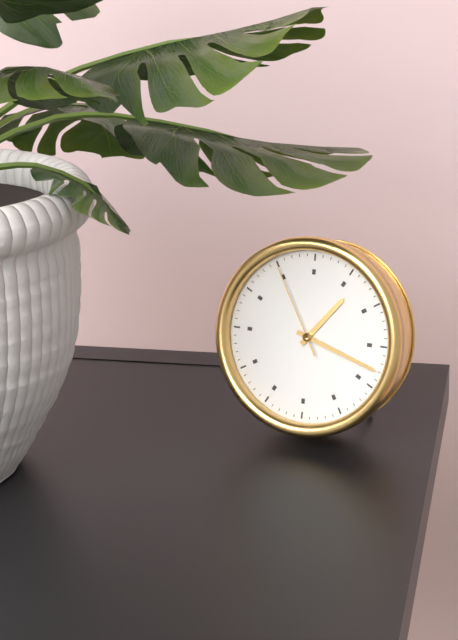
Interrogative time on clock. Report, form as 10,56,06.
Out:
1,18,55
